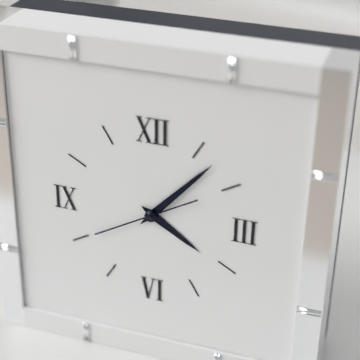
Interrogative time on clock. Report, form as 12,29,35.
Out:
4,07,40
